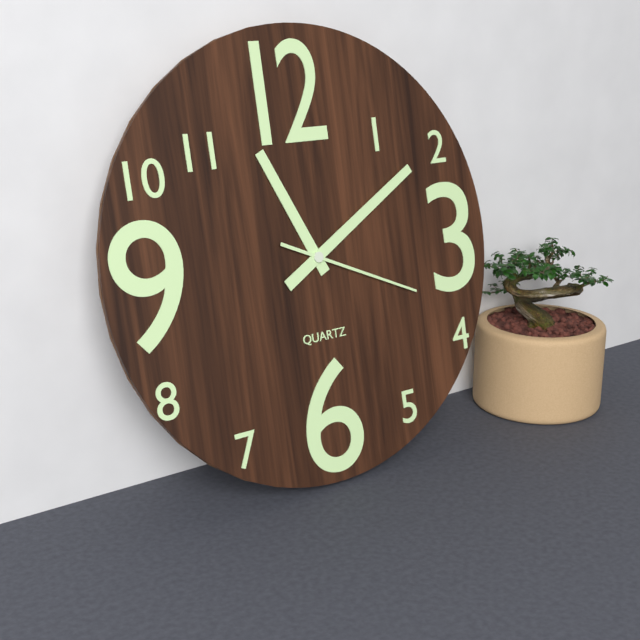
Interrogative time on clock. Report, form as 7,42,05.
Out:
11,10,19
